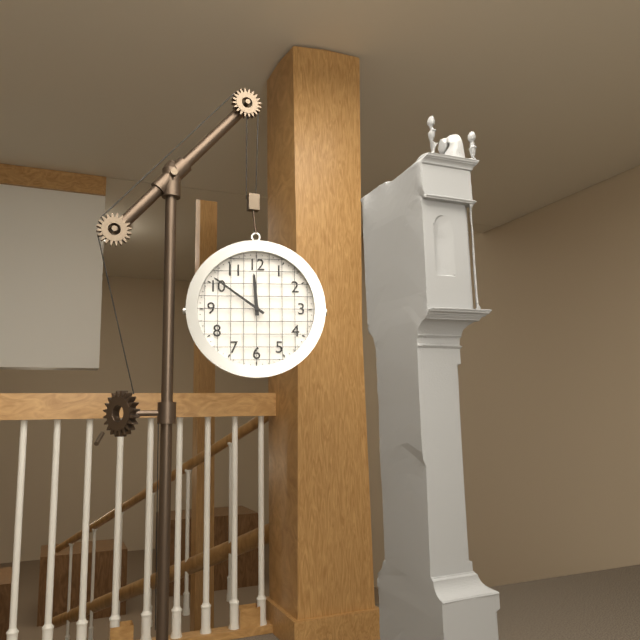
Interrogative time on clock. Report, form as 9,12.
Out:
11,51
